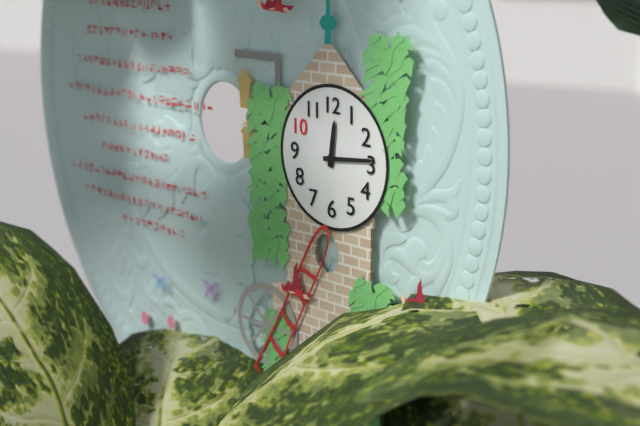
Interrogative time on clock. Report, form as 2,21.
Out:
12,14
